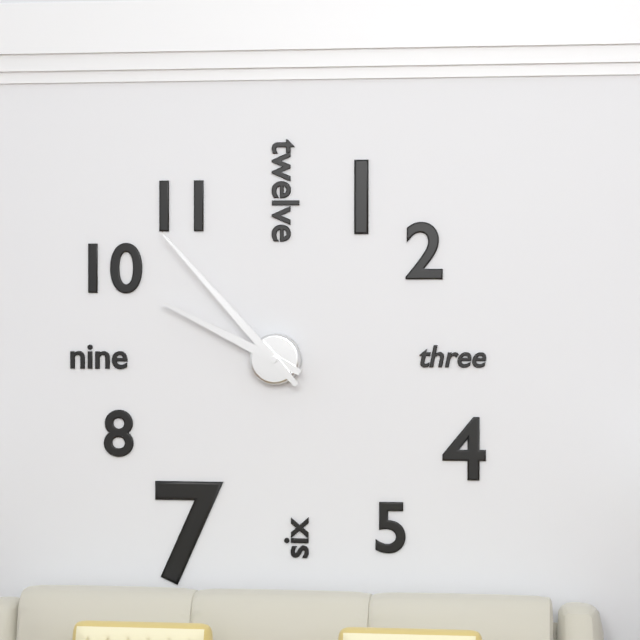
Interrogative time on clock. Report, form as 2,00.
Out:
9,53
